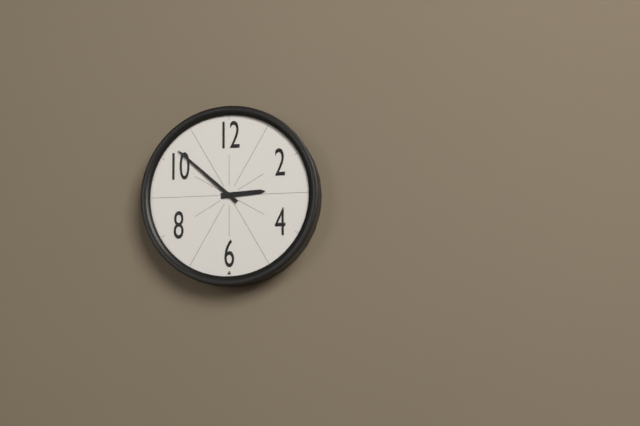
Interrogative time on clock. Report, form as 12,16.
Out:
2,52
